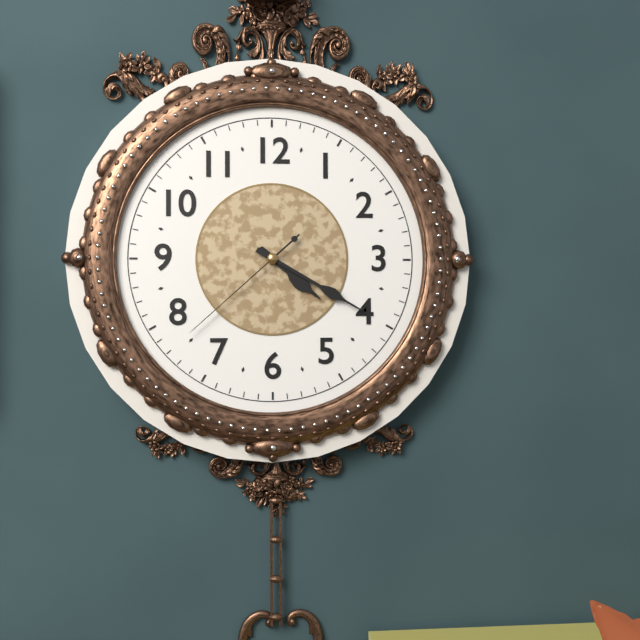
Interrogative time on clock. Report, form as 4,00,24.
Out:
4,20,38
